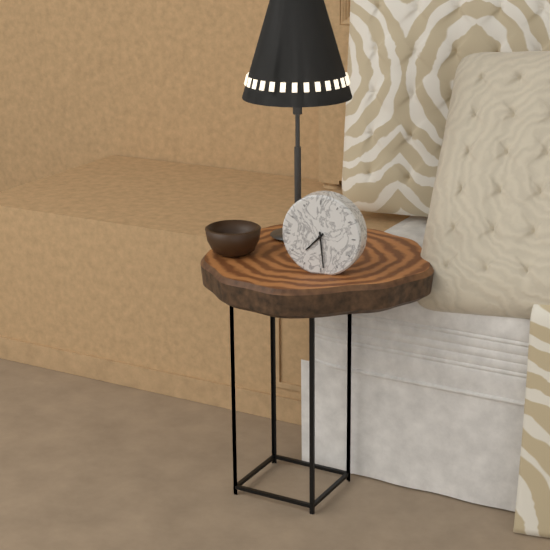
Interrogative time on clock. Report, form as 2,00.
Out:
7,29
